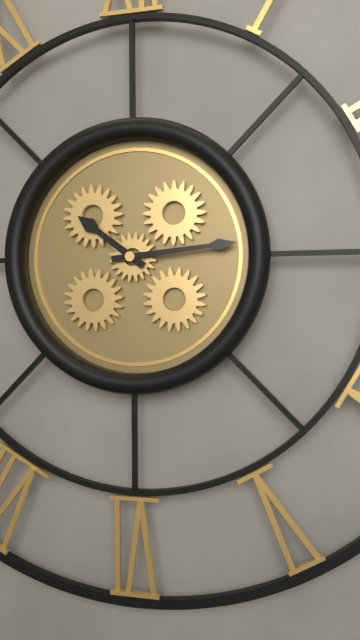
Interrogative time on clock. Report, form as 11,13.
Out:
10,14
